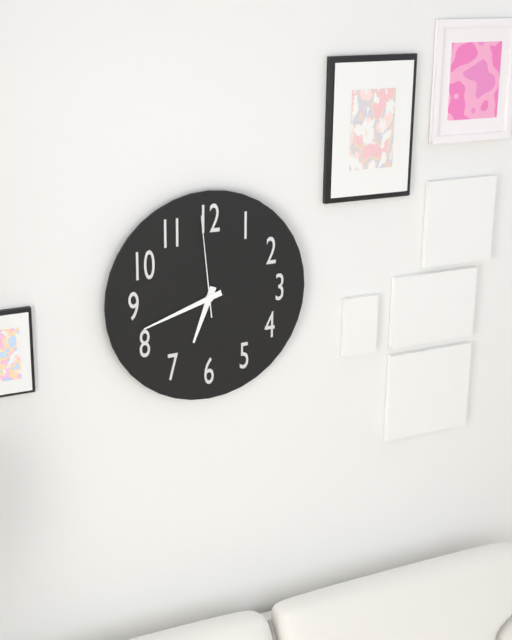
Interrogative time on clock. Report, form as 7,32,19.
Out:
6,42,59
